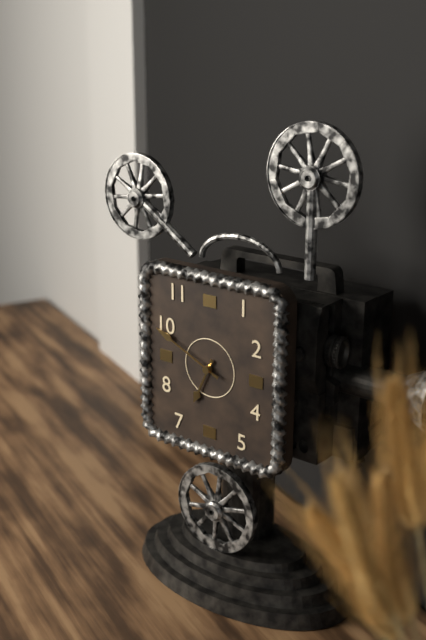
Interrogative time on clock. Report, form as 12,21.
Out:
6,49
